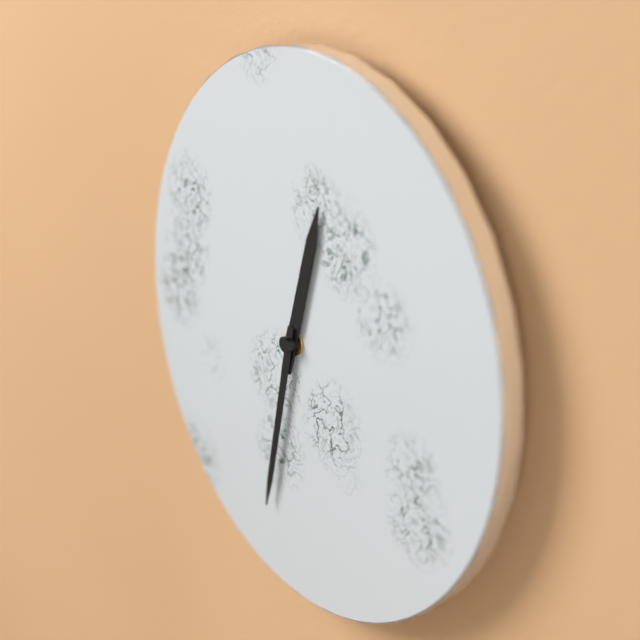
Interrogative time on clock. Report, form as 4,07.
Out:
12,32
